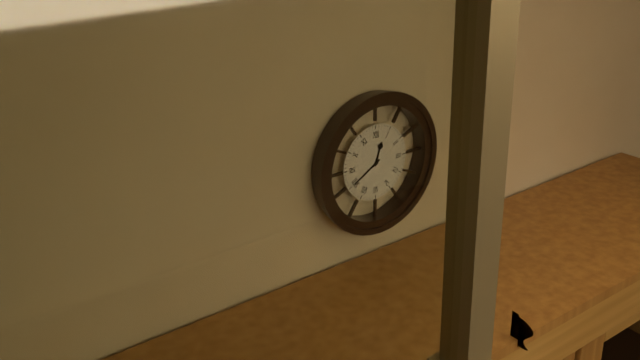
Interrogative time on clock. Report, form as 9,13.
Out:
12,40
